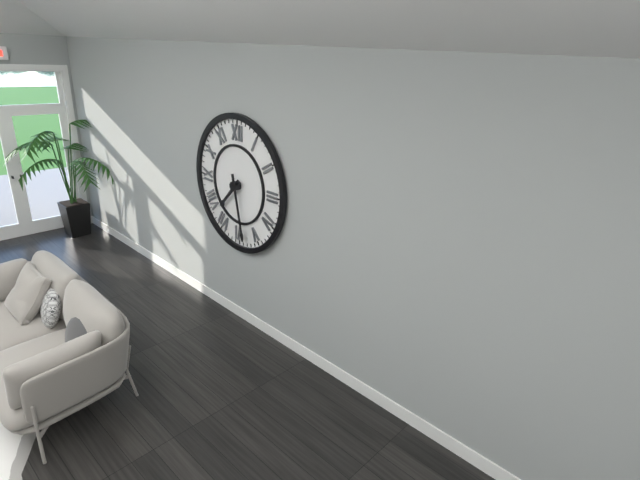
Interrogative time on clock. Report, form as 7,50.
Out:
7,28
